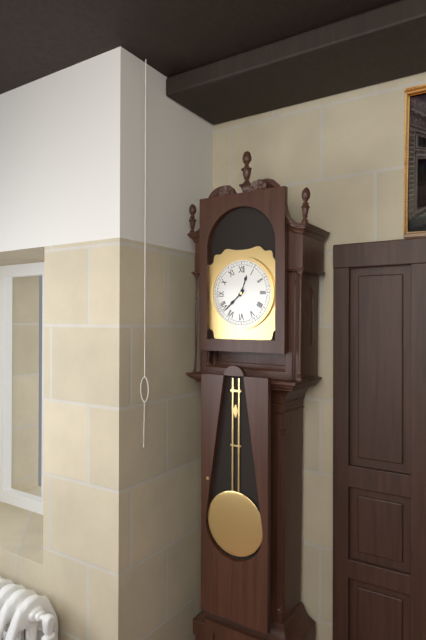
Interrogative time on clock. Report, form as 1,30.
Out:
12,38
